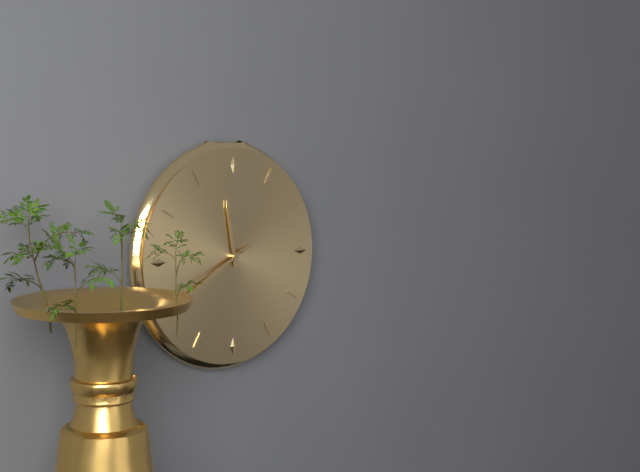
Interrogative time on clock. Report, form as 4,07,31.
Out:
11,40,41
